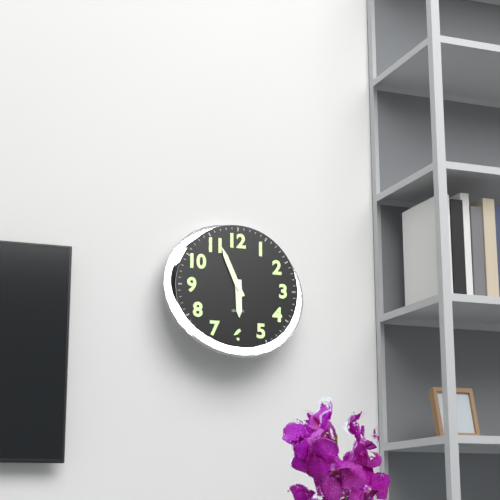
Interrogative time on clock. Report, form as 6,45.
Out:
5,56
